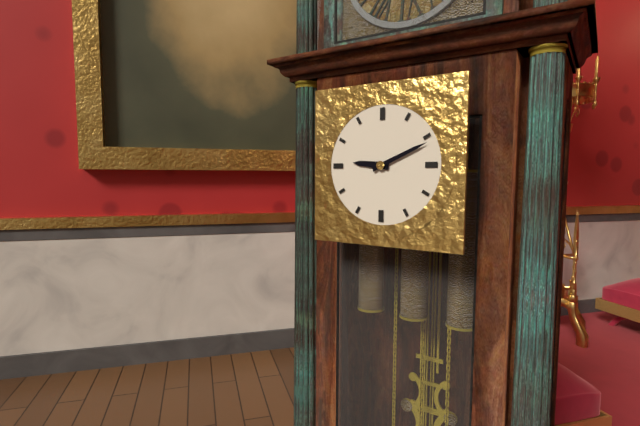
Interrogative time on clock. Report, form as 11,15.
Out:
9,11
